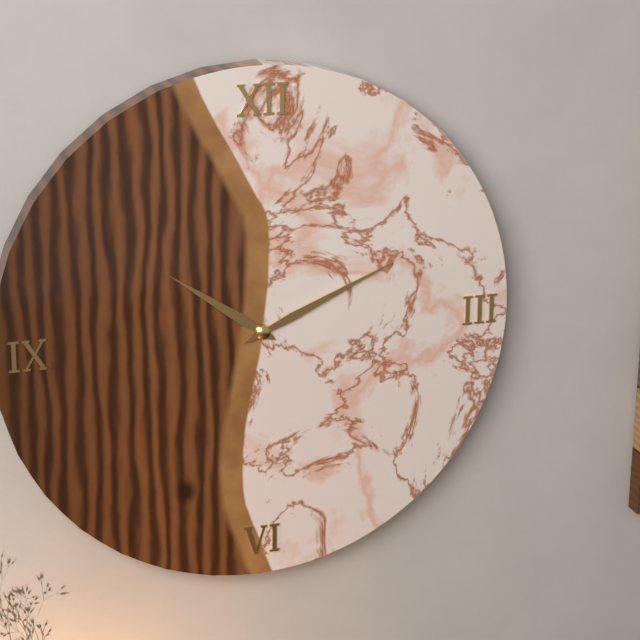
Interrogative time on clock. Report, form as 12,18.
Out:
10,11
